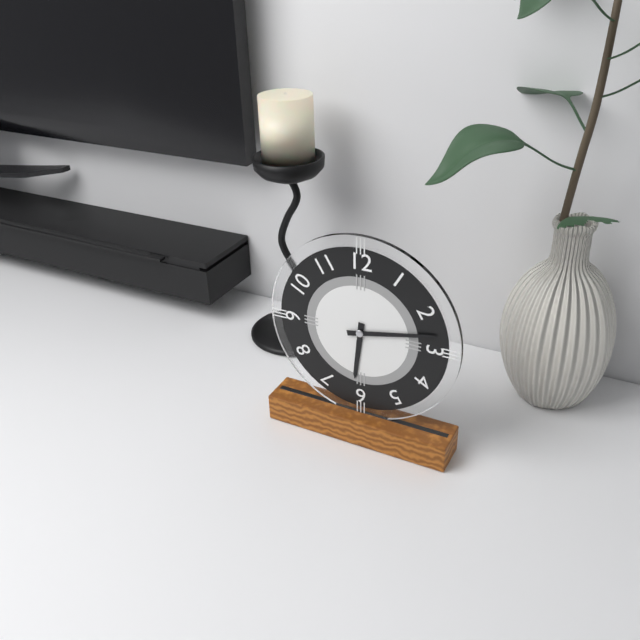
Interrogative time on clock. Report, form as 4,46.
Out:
6,13
